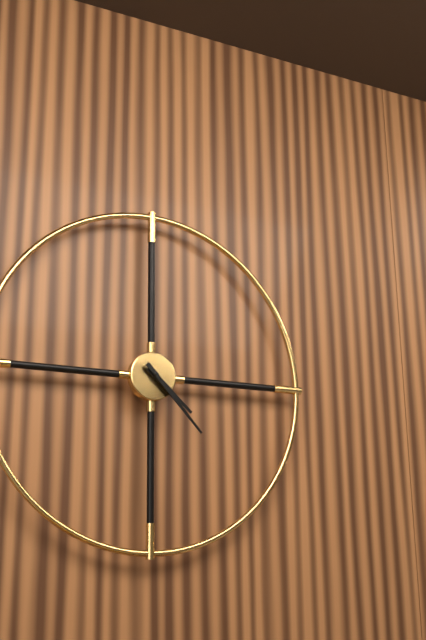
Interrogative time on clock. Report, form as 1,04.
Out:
4,23
